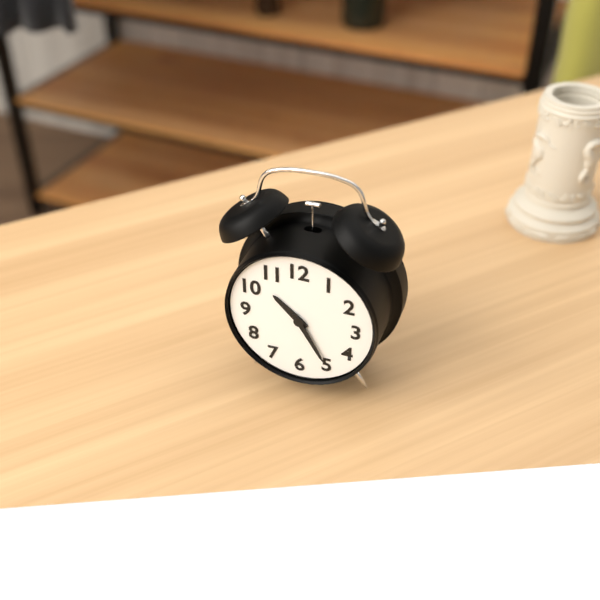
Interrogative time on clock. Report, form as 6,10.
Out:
10,25
